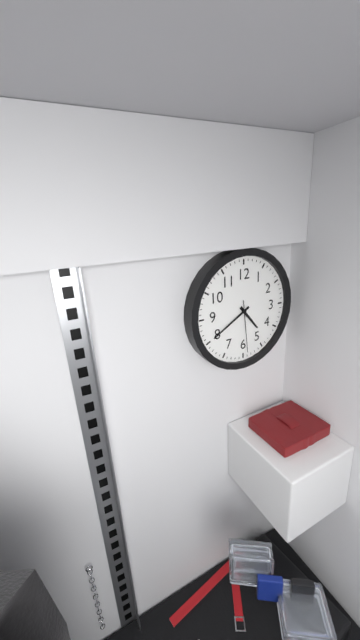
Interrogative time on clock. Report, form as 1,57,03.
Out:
4,40,29
